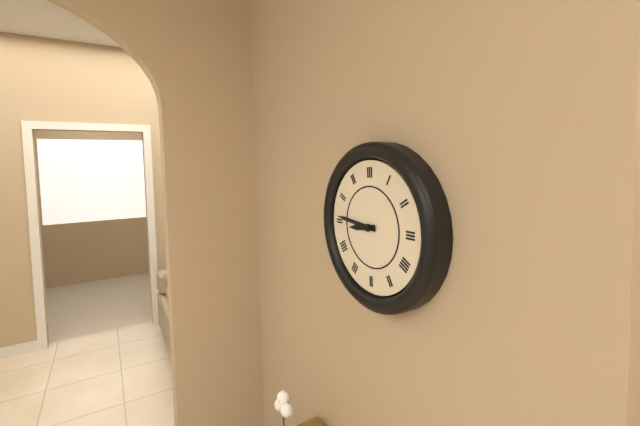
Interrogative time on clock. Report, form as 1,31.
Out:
8,46
